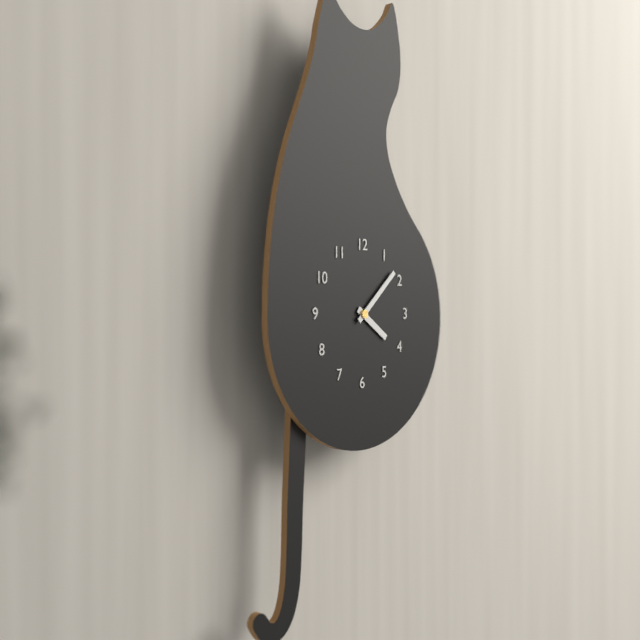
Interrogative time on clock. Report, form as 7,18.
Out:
4,08
